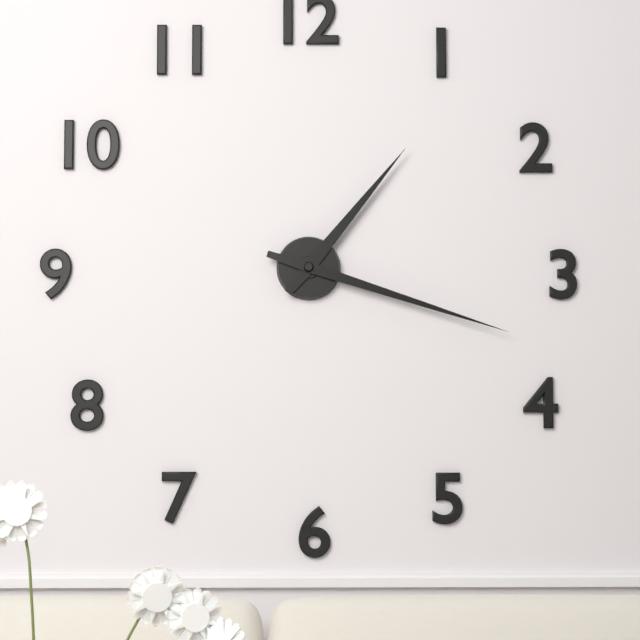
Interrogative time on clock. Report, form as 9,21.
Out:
1,18
